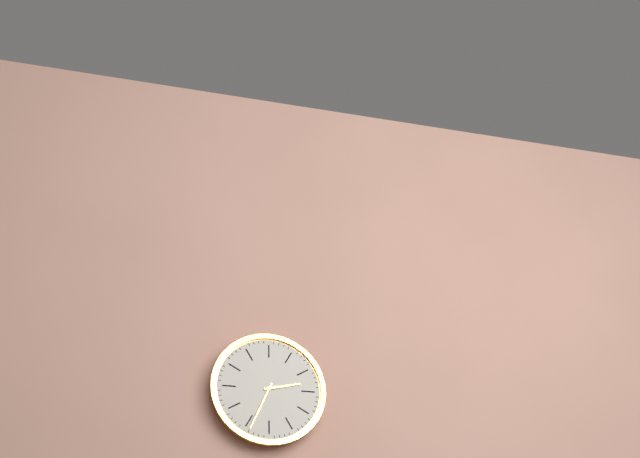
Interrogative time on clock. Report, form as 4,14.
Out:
2,34
